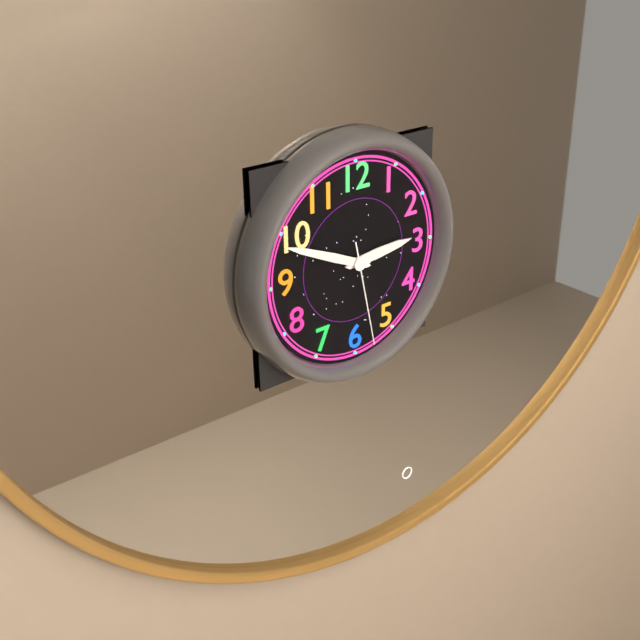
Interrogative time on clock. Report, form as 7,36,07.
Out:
2,49,28
